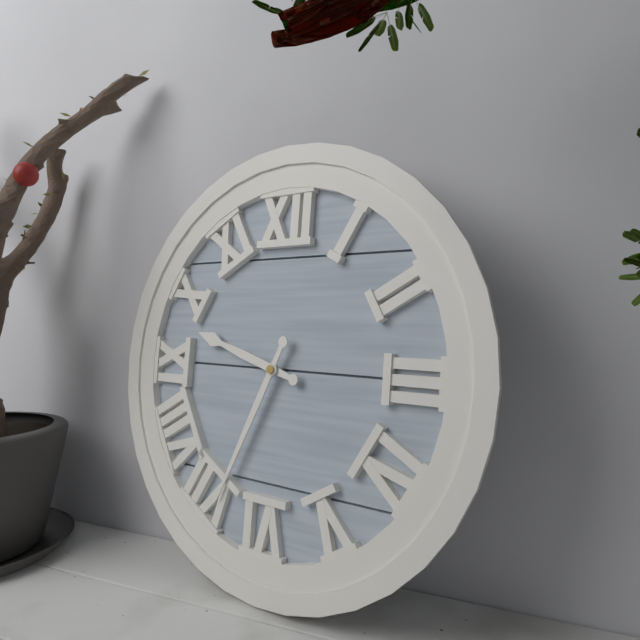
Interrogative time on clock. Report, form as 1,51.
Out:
9,34
